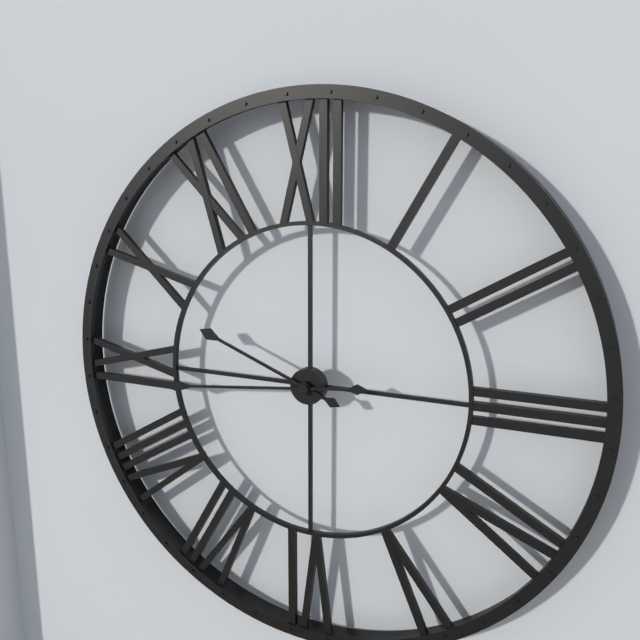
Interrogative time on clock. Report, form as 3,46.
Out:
9,44
